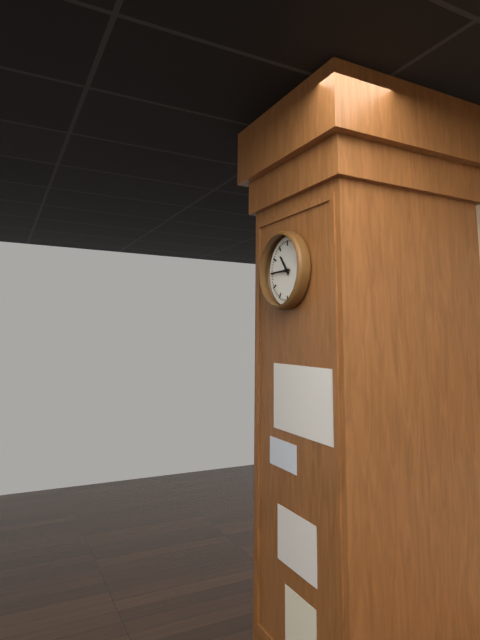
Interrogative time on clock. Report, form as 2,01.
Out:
10,45
